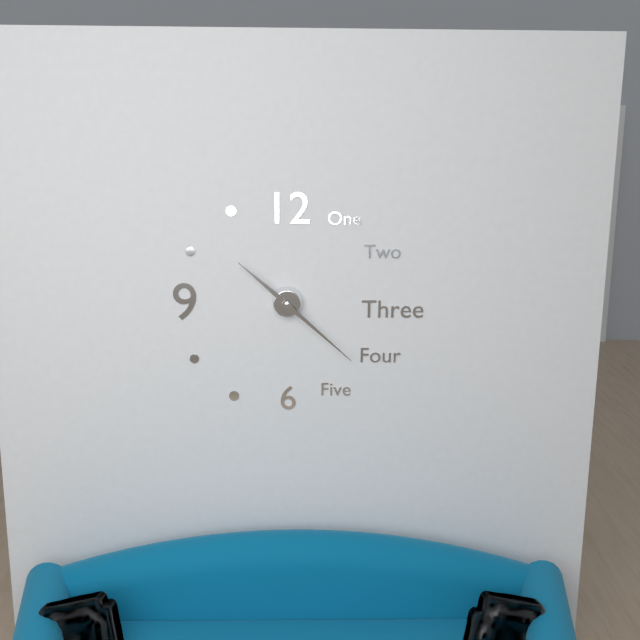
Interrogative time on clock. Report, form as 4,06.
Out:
10,22
